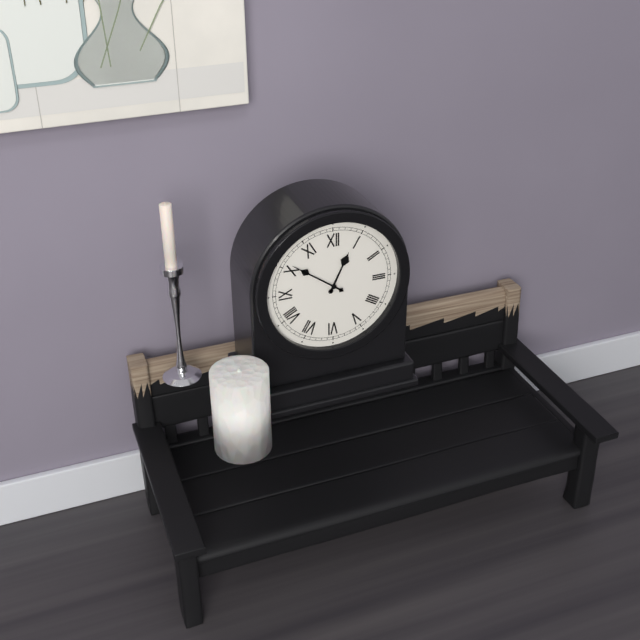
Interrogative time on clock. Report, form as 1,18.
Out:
12,51
